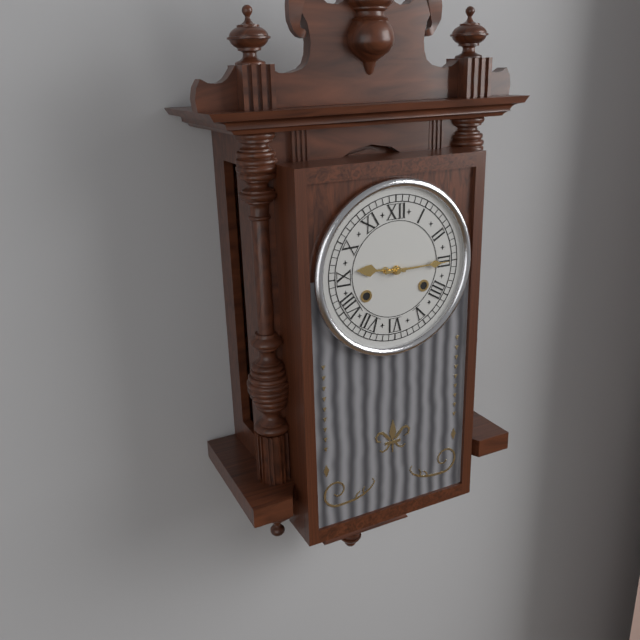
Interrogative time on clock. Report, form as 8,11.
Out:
9,15
